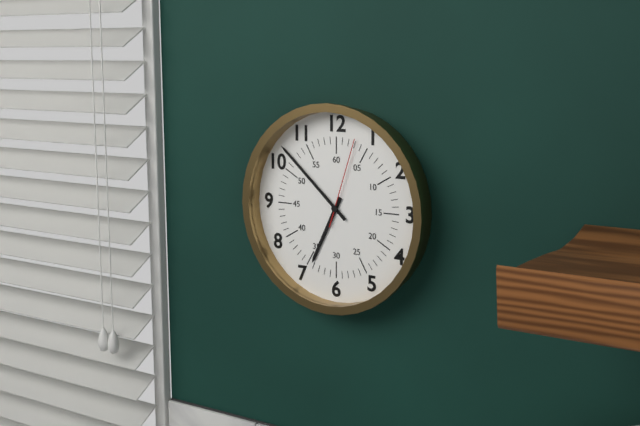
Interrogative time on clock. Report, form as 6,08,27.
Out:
6,52,03
